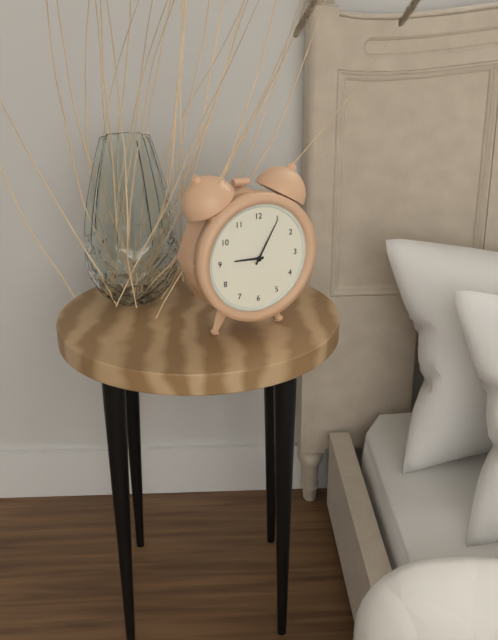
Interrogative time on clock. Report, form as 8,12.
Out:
9,05
